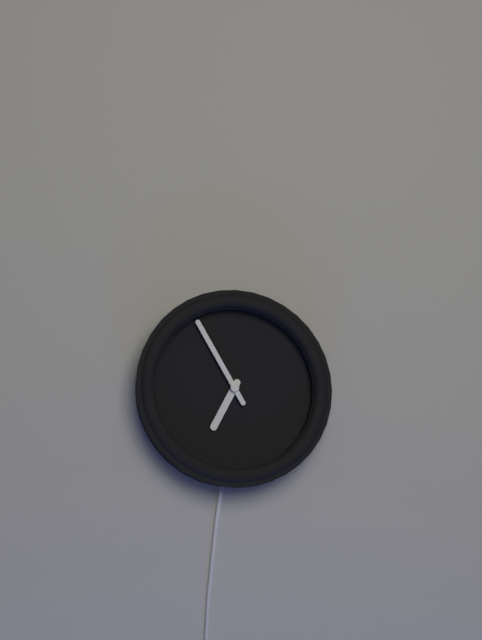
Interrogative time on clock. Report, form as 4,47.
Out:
6,55
